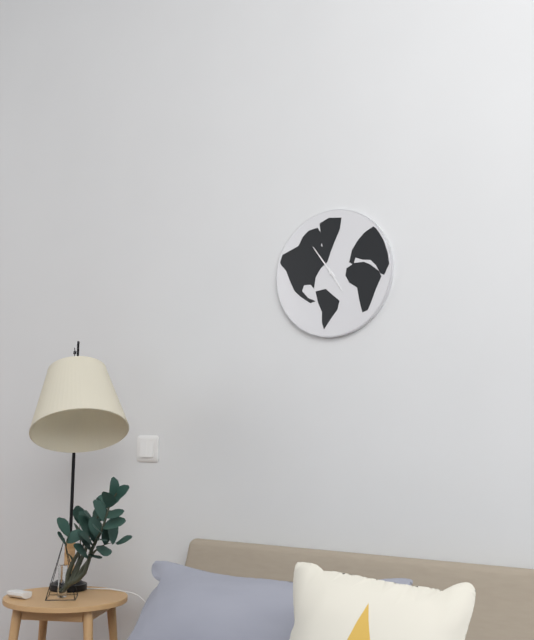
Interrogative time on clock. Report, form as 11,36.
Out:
4,54
